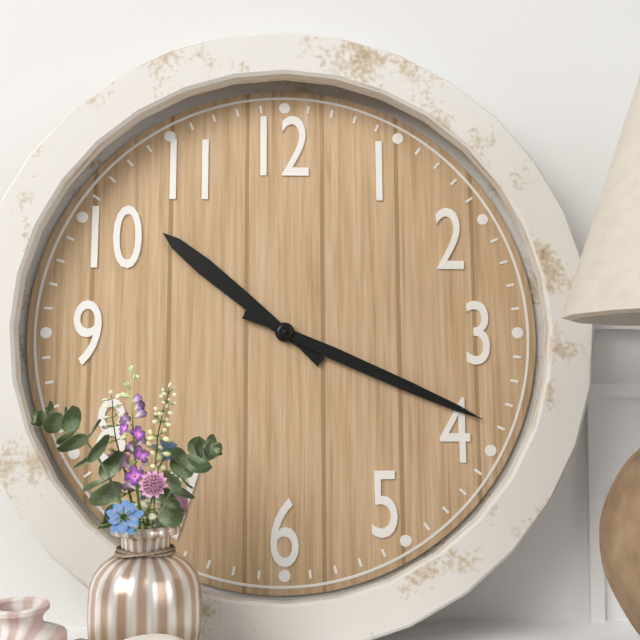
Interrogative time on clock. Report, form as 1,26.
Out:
10,19
